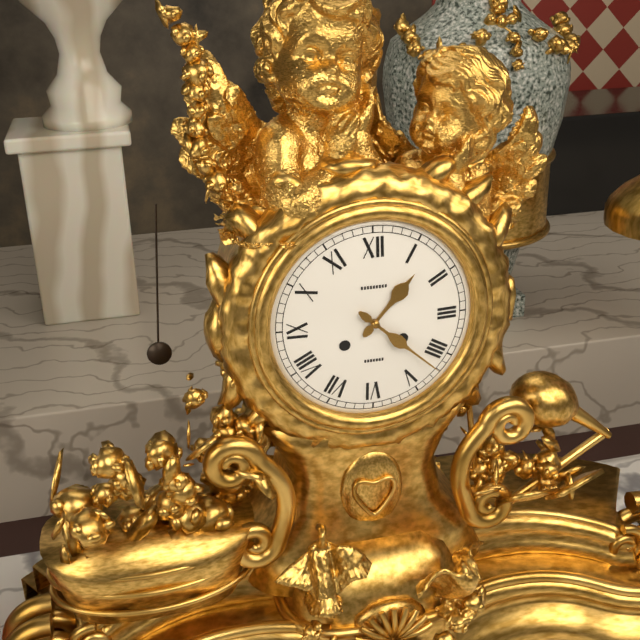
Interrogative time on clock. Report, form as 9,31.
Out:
1,22
